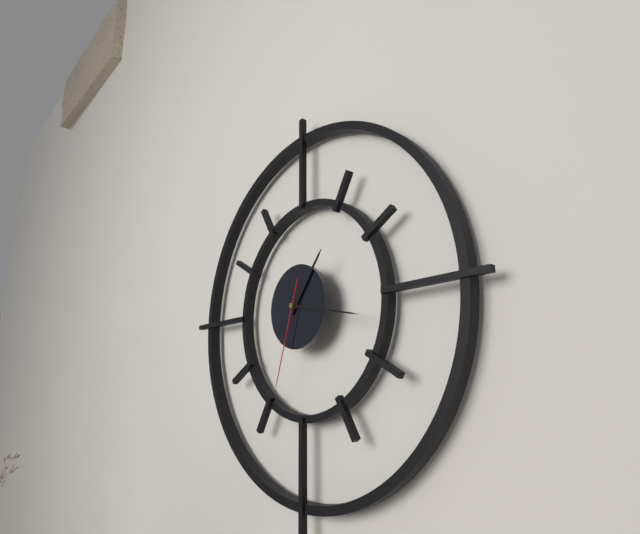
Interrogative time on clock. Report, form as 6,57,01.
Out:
1,17,33
